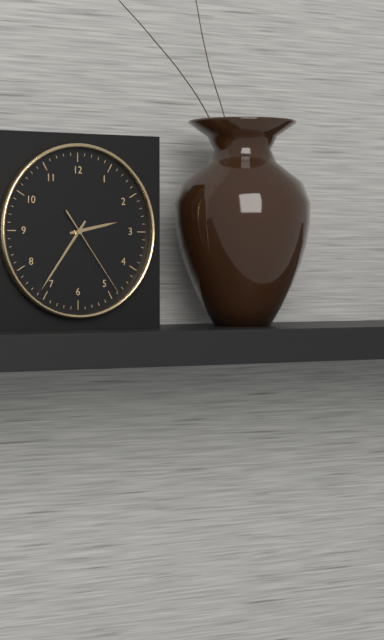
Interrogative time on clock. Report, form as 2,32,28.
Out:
2,36,24
